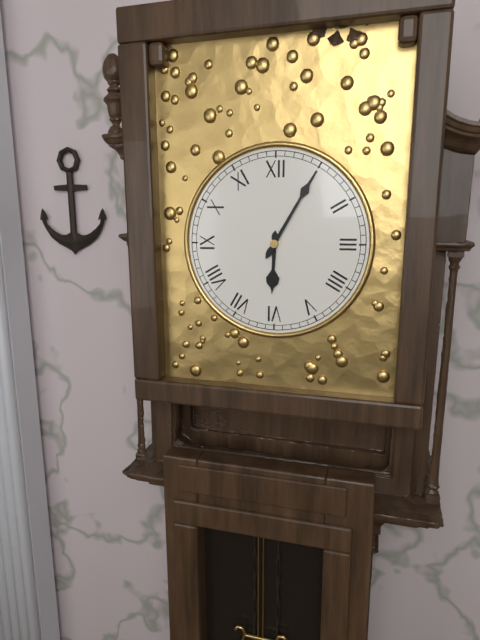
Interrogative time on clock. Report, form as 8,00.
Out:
6,05
